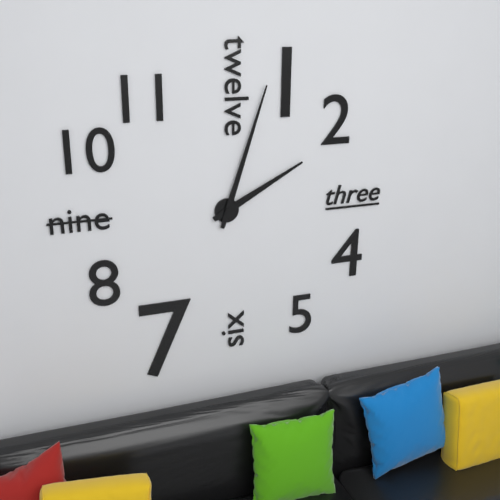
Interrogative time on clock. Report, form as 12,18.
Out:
2,03
